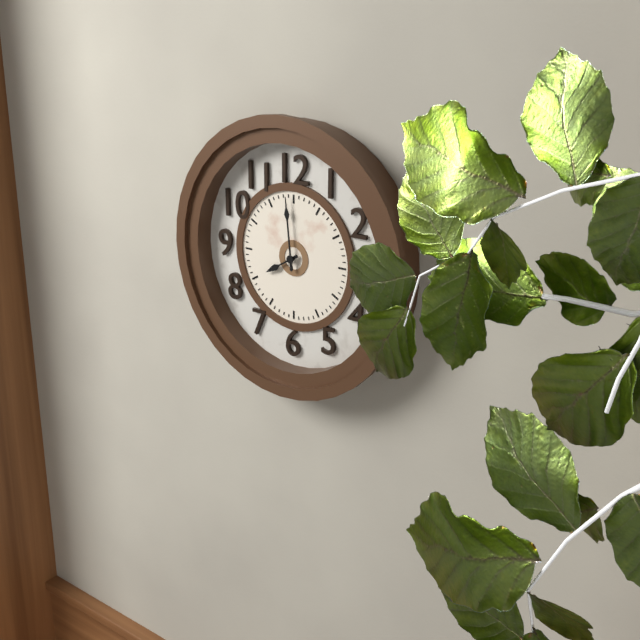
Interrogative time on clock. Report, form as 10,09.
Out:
7,59
